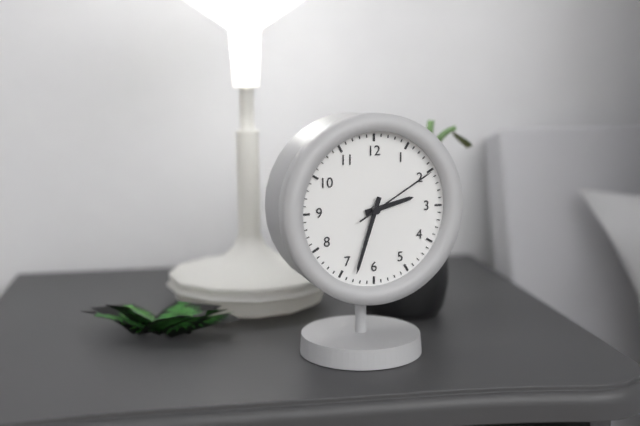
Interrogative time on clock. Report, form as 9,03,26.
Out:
2,33,10
